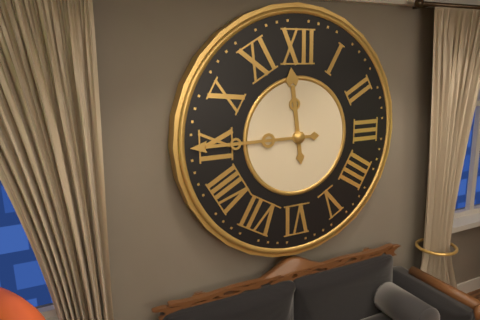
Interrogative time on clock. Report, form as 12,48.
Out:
11,45
